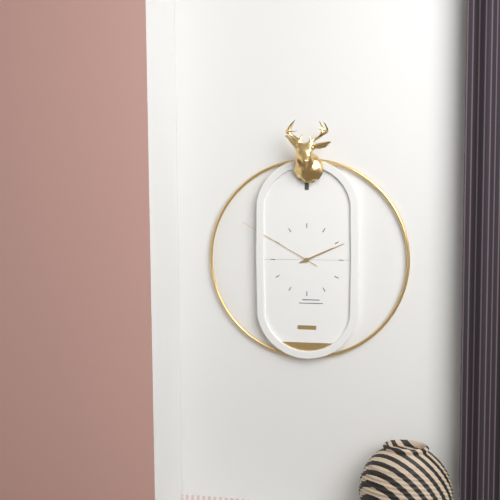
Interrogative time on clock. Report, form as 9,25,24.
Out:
2,11,50
